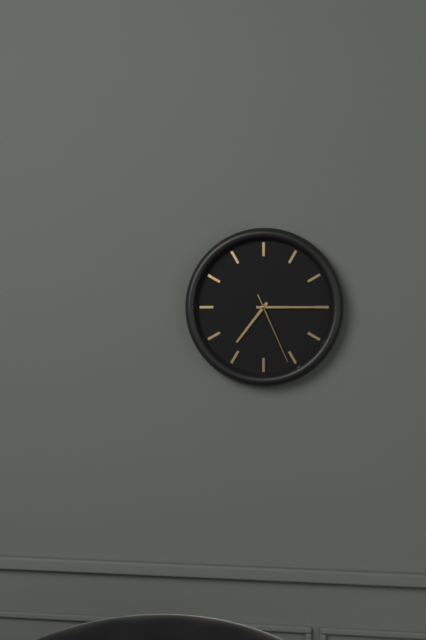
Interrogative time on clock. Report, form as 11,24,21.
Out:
7,15,26
